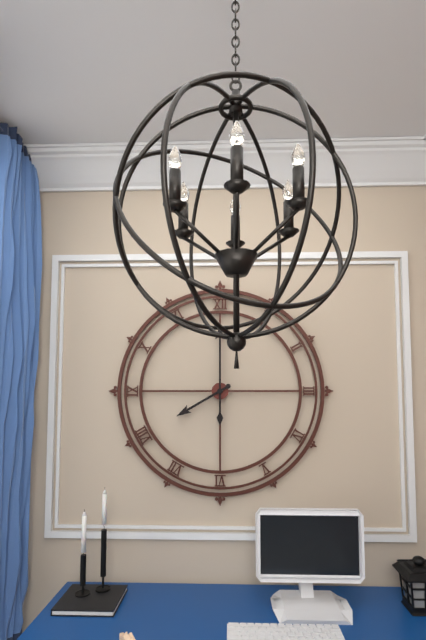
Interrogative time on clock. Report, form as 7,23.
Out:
8,00
